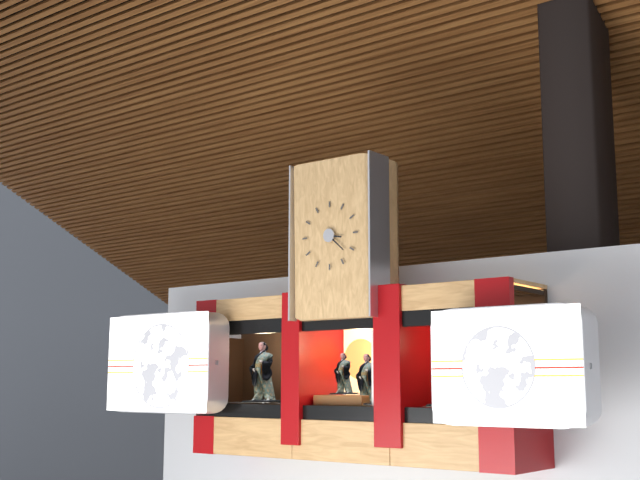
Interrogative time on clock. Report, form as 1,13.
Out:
3,22
